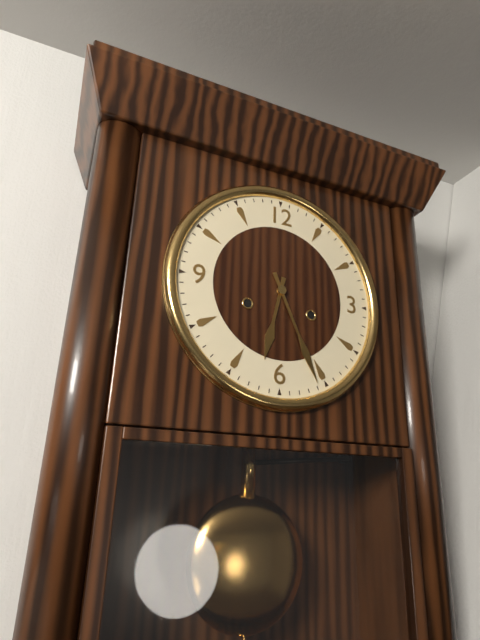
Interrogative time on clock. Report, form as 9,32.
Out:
6,26
